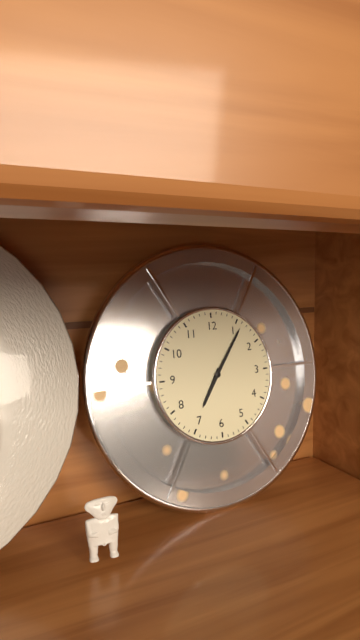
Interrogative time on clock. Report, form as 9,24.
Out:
7,06
